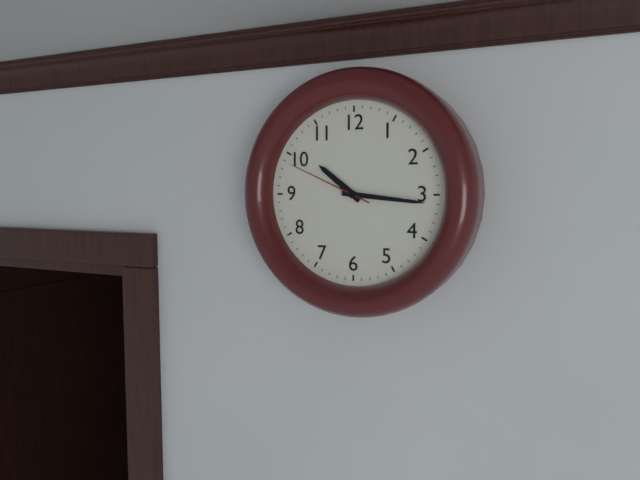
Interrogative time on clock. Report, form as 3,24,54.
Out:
10,16,49
